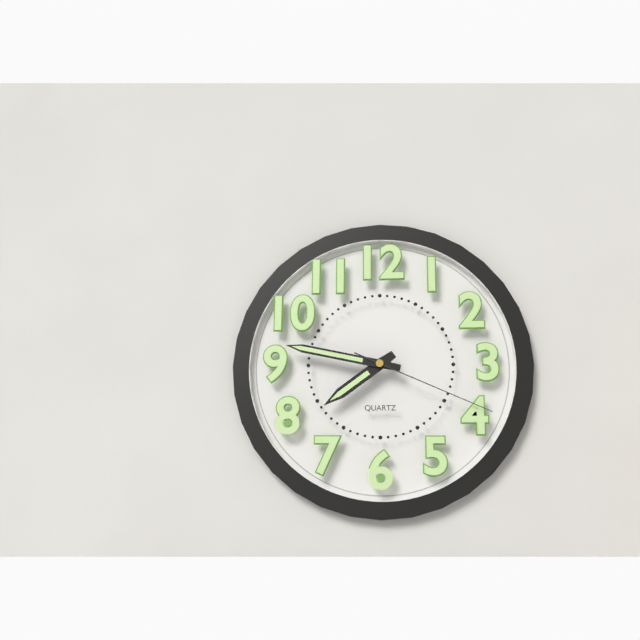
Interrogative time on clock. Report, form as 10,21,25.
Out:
7,47,19
